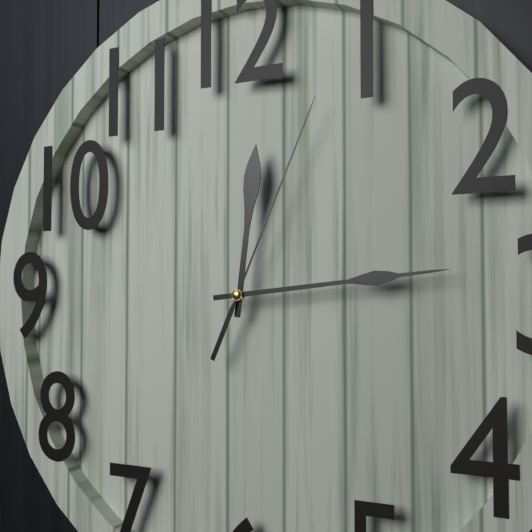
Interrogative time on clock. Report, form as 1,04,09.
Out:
12,14,04
